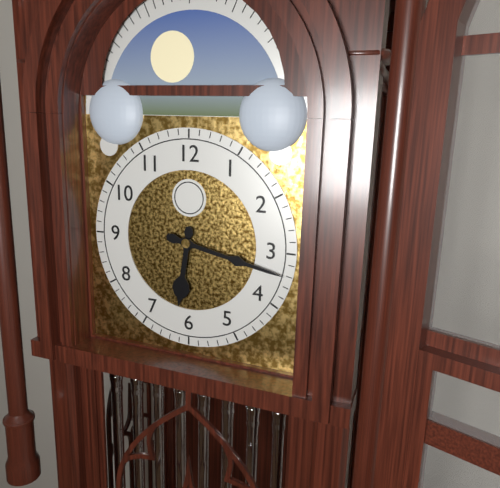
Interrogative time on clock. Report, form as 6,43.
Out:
6,17
